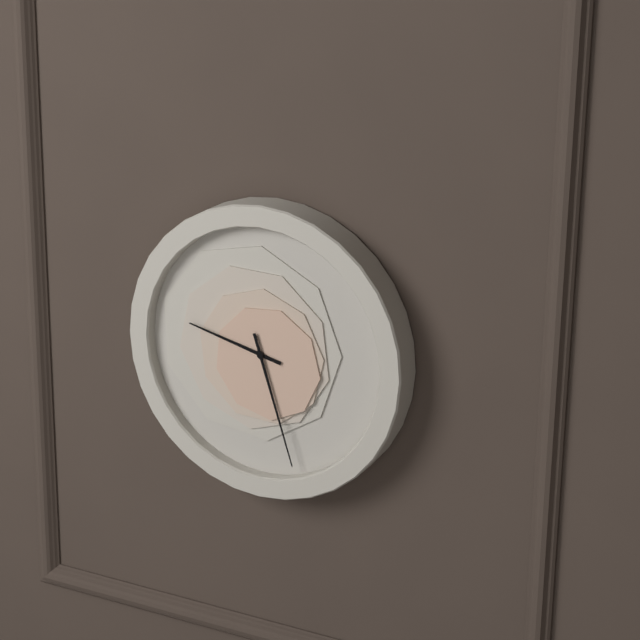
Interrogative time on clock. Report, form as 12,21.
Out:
9,27
